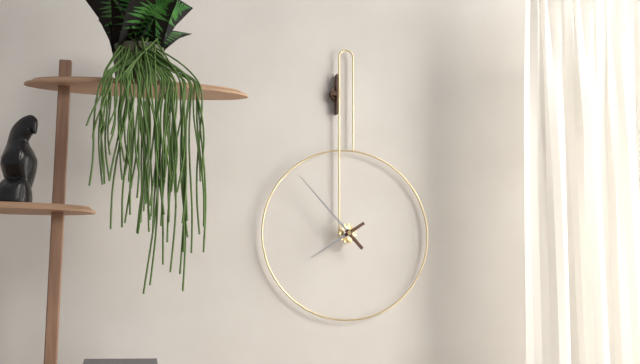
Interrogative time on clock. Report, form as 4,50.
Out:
7,53
